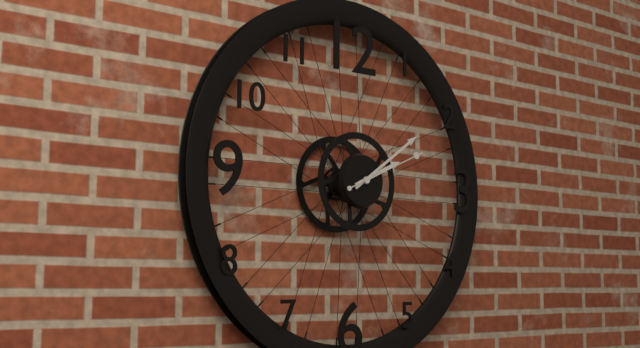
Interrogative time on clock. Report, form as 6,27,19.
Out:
2,09,11
